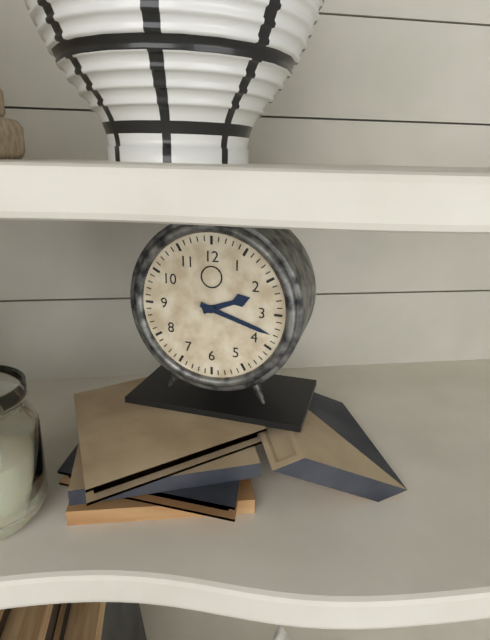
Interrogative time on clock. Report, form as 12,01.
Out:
2,18
